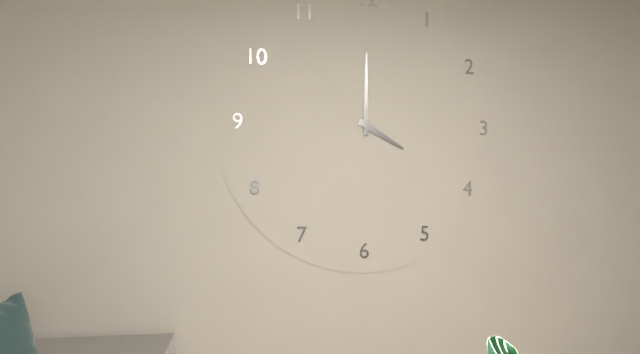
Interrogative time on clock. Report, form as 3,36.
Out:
4,00
